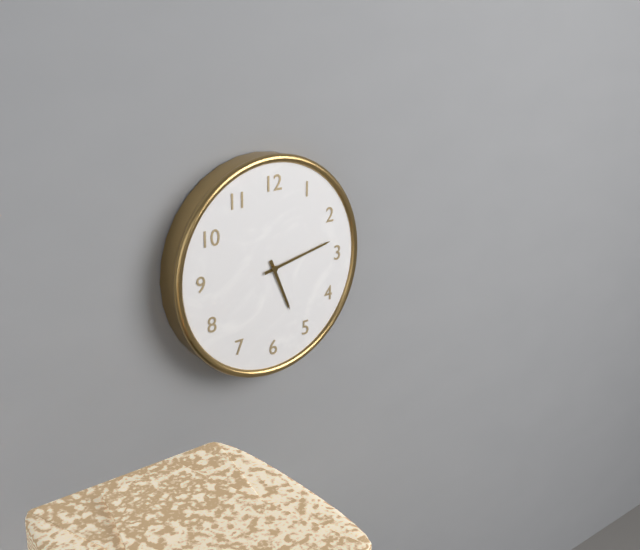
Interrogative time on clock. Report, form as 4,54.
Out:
5,13
